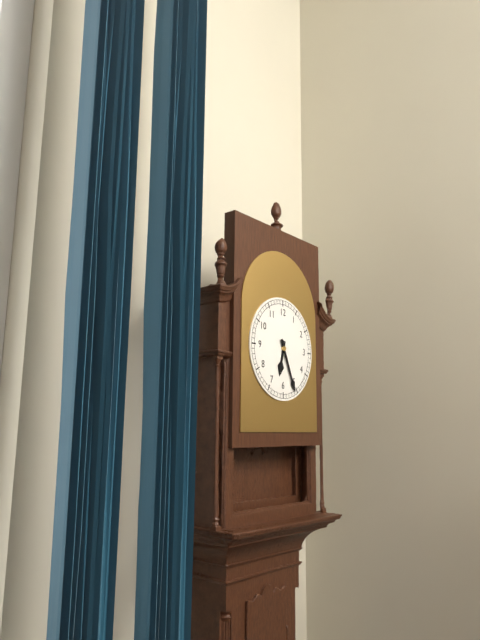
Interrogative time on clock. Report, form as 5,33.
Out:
6,26
